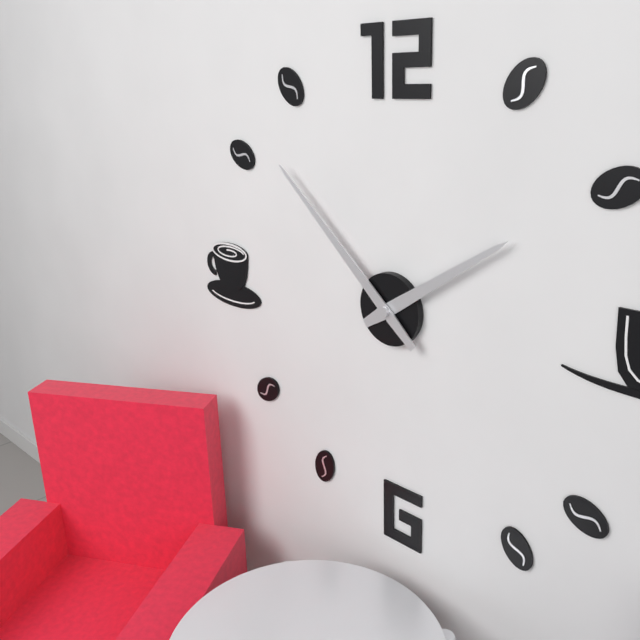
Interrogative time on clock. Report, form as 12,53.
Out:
1,52
